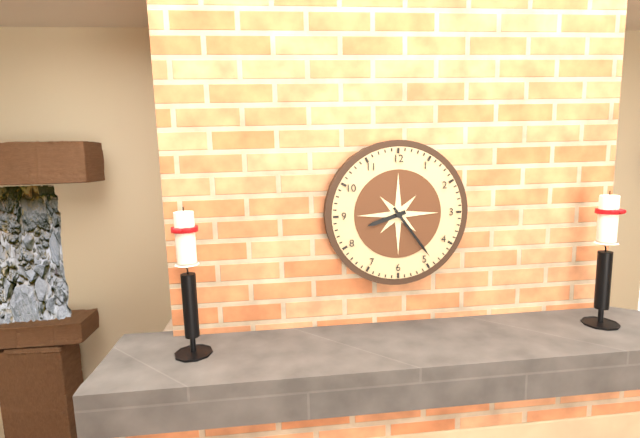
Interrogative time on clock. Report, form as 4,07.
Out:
8,24
